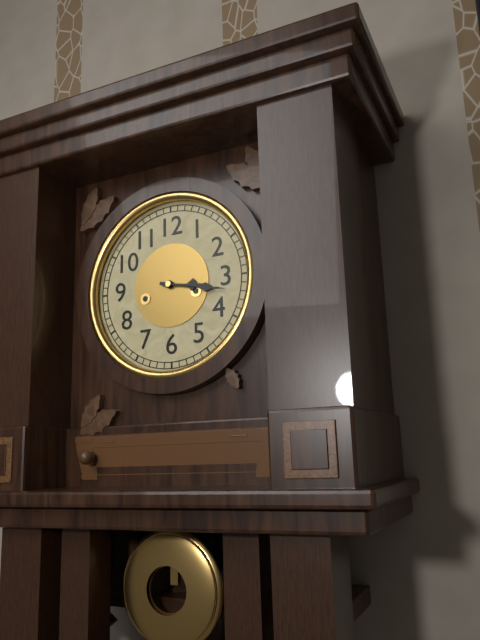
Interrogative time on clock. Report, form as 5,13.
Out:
3,17
